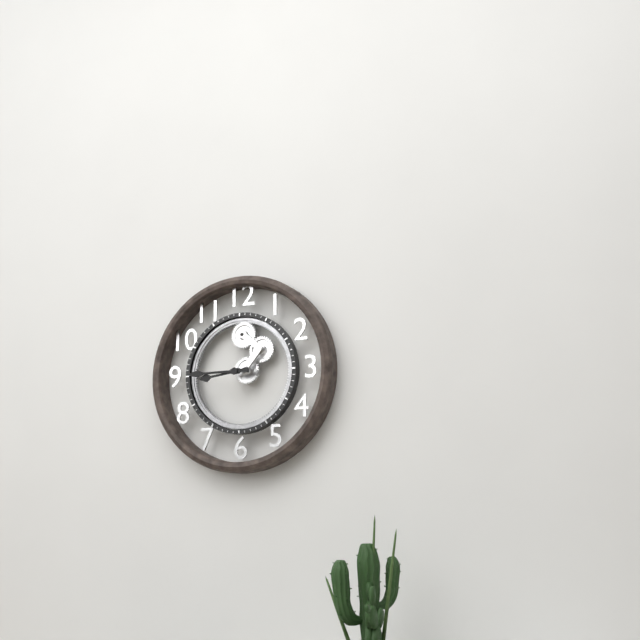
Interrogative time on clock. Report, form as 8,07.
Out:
8,45
